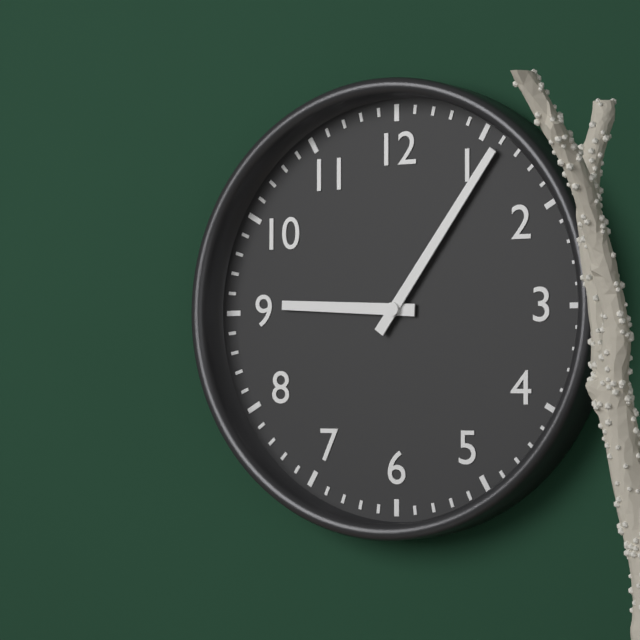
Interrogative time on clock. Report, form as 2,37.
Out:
9,06
